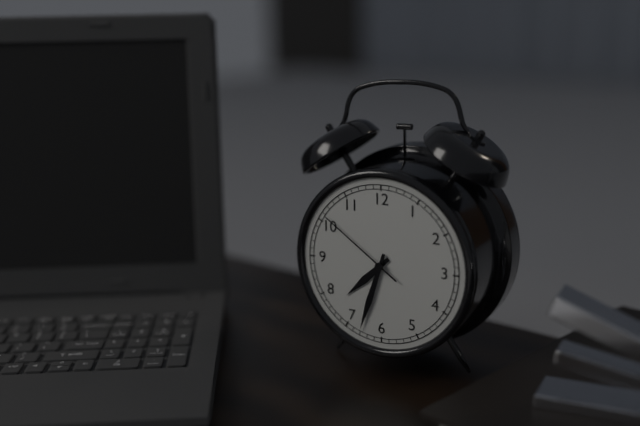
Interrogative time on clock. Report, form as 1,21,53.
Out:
7,33,51
